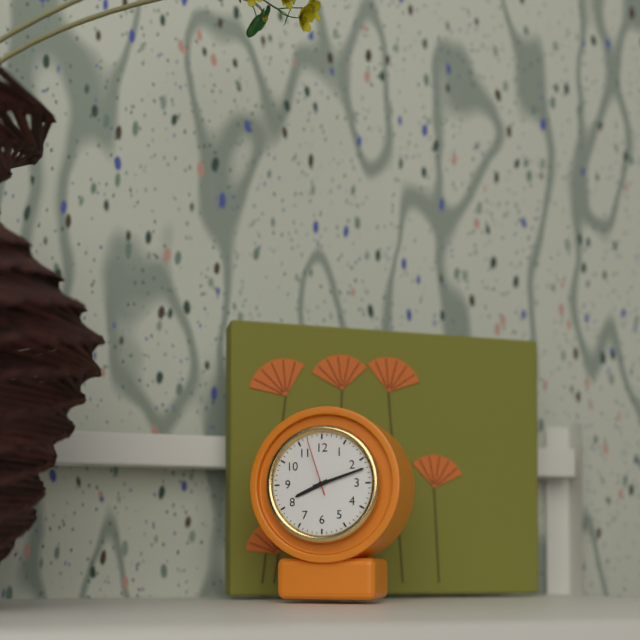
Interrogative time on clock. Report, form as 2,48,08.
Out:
8,12,57
